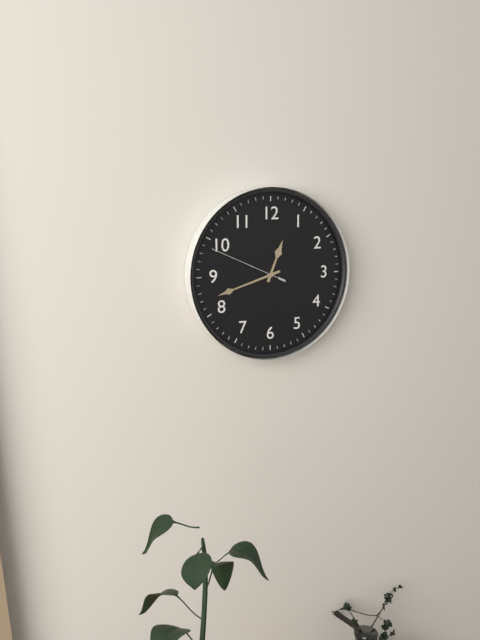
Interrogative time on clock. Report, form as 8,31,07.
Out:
12,42,49
